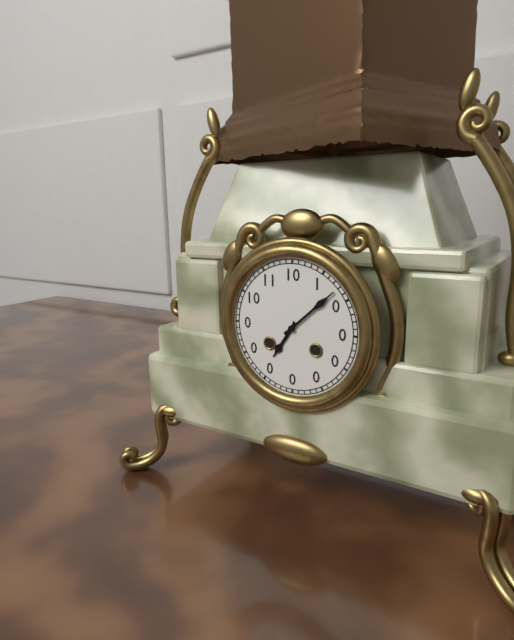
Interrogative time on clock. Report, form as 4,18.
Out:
7,08
